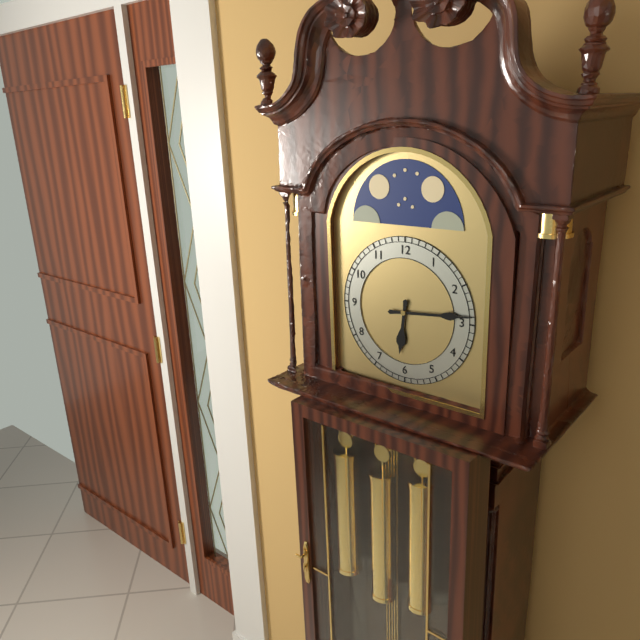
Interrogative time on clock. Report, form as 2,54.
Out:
6,14
